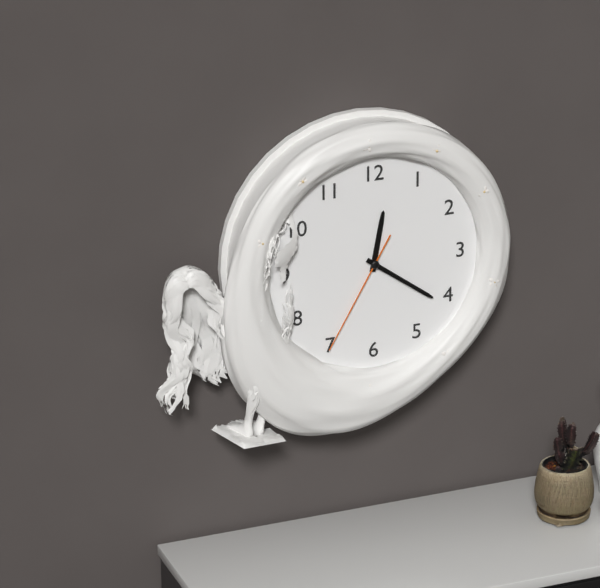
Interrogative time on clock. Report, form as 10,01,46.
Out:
12,21,35
